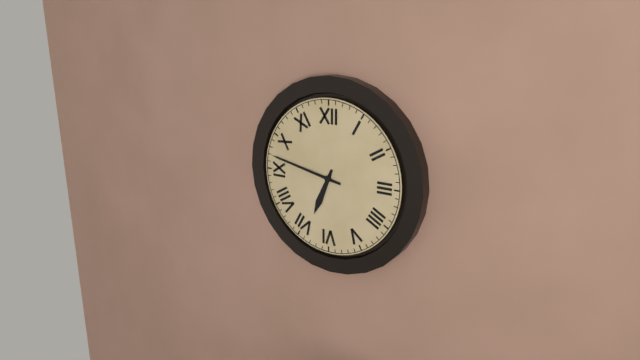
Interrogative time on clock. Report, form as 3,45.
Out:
6,47
